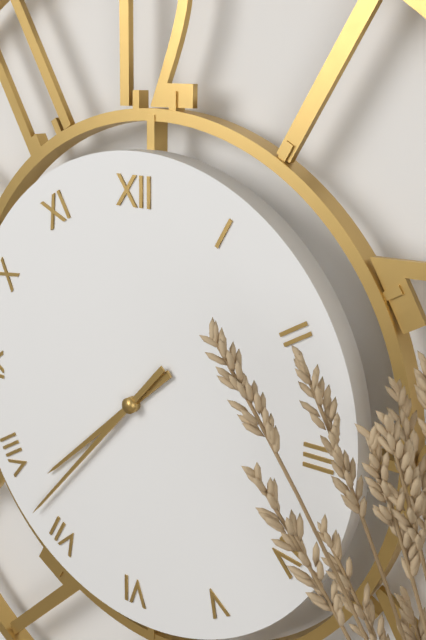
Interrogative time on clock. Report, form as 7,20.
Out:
7,37
